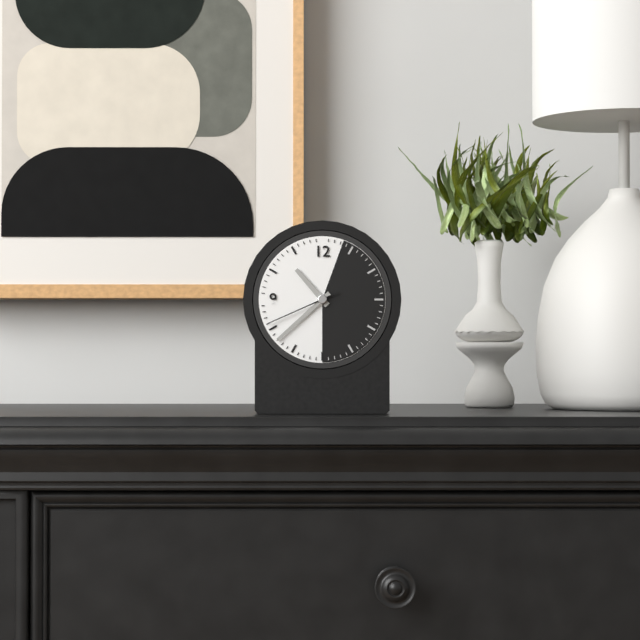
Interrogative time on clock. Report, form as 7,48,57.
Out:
10,38,41
